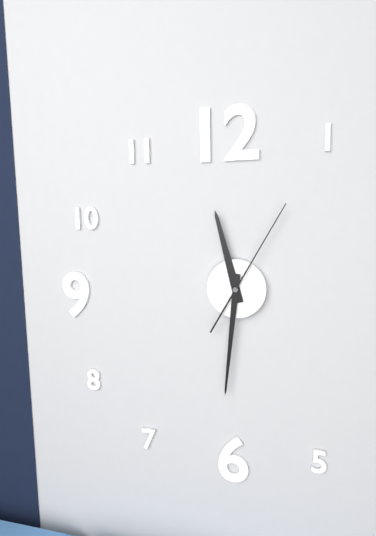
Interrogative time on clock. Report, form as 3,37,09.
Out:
11,31,05
